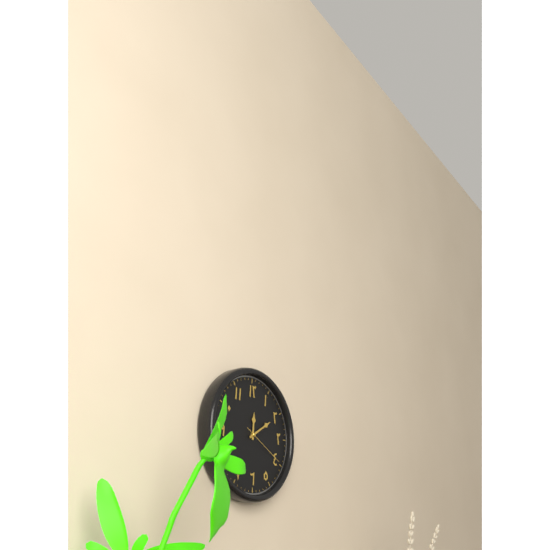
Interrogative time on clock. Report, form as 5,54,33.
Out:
12,10,20
